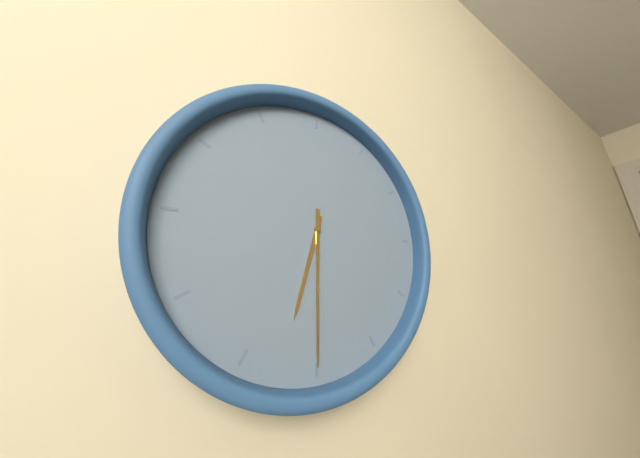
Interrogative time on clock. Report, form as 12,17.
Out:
6,30
